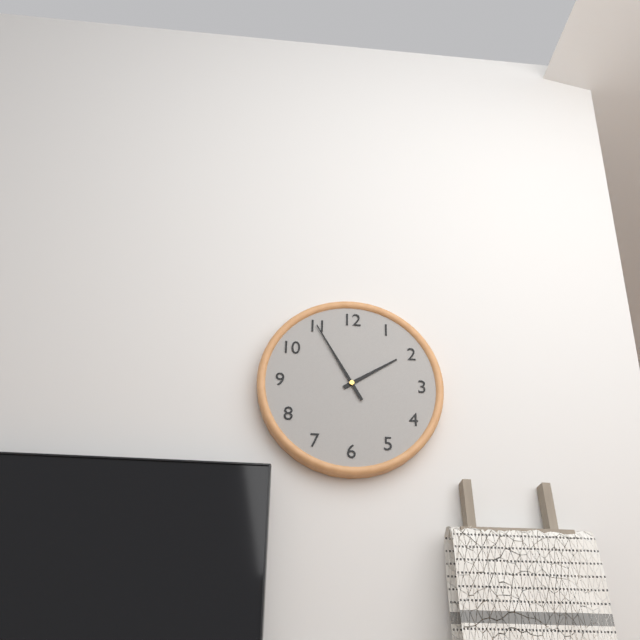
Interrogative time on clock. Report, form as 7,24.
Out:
1,55
